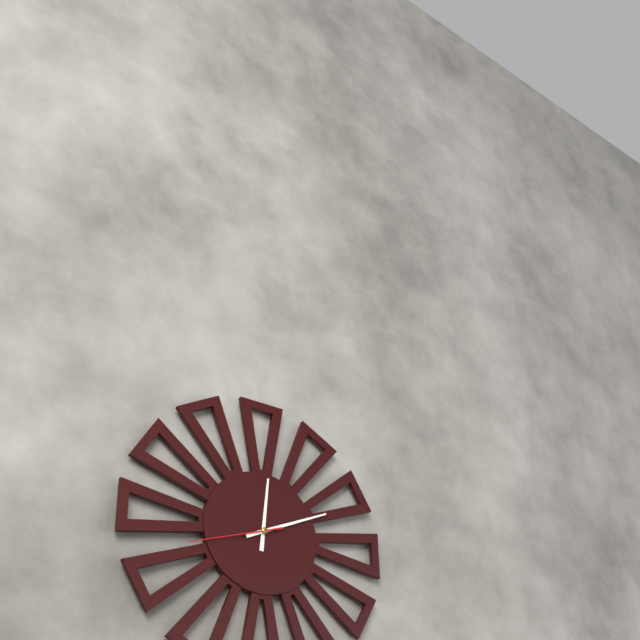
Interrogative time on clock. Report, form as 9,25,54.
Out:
12,11,42
